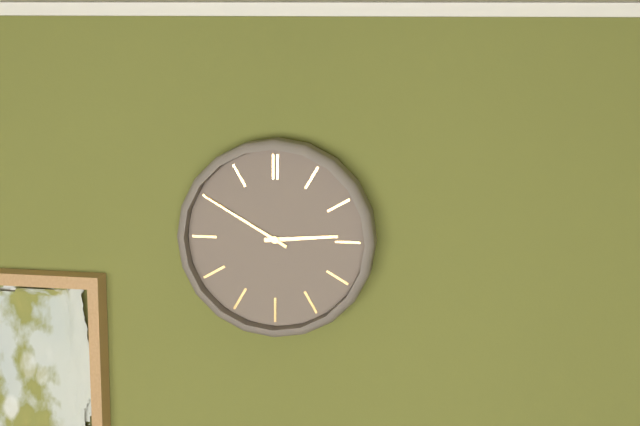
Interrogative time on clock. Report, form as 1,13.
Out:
2,50
